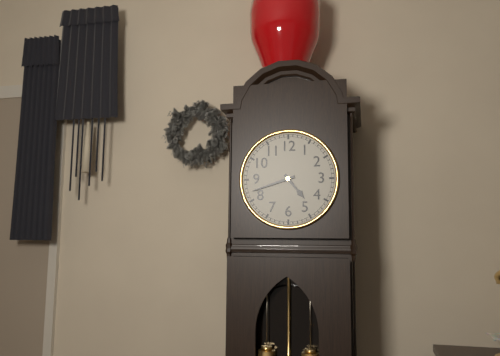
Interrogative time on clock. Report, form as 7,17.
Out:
4,42
